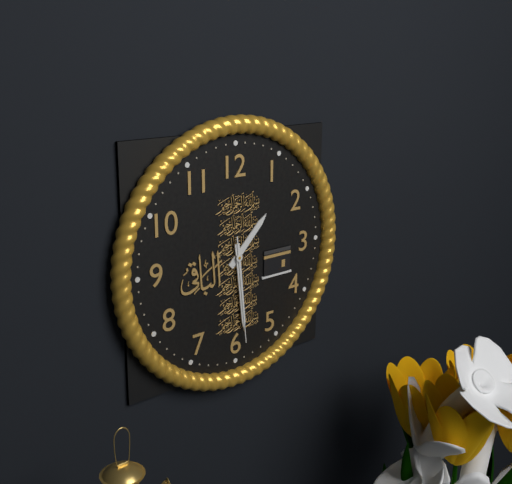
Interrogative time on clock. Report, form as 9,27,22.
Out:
1,29,29
